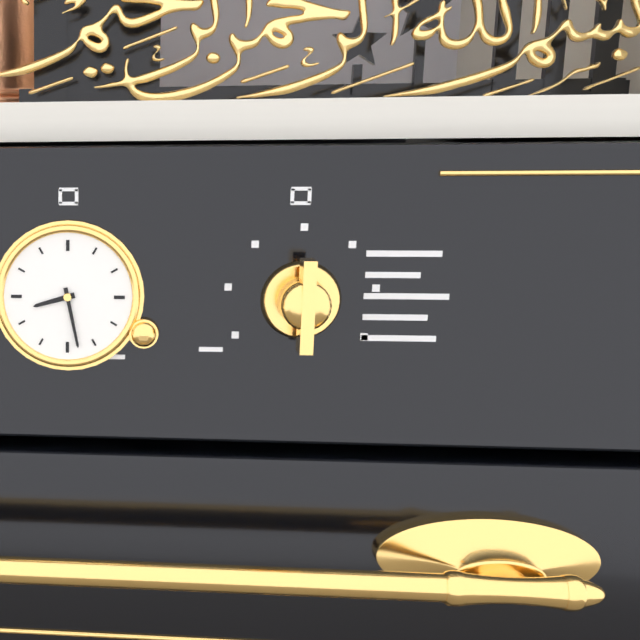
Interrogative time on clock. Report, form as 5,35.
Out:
8,28
